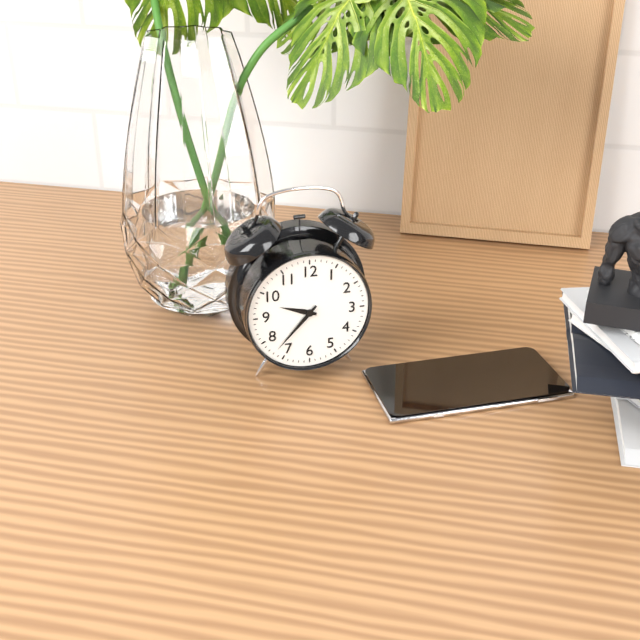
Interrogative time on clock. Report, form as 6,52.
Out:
9,37
